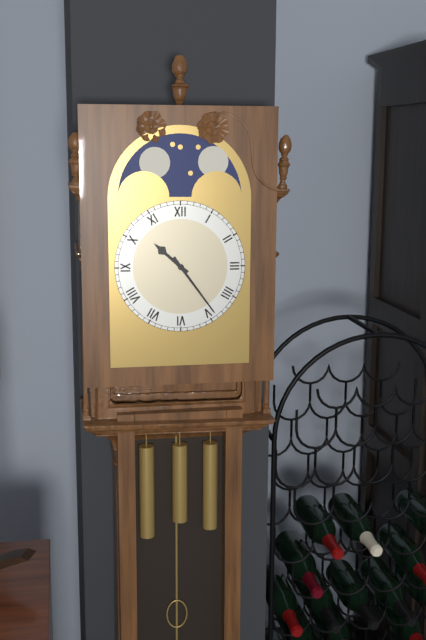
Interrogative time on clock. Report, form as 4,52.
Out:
10,24
